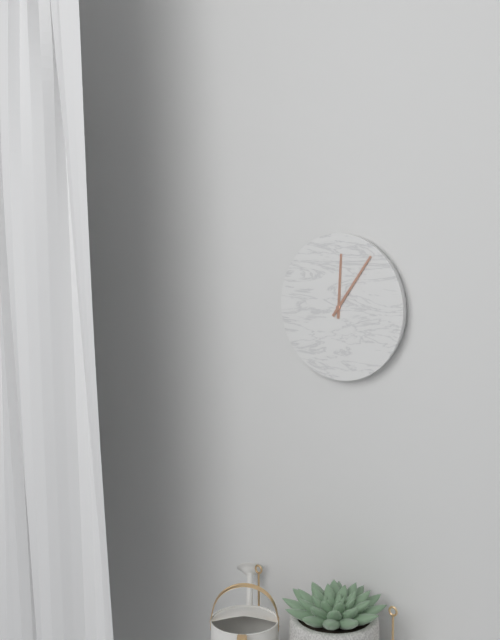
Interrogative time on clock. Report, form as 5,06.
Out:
12,06
